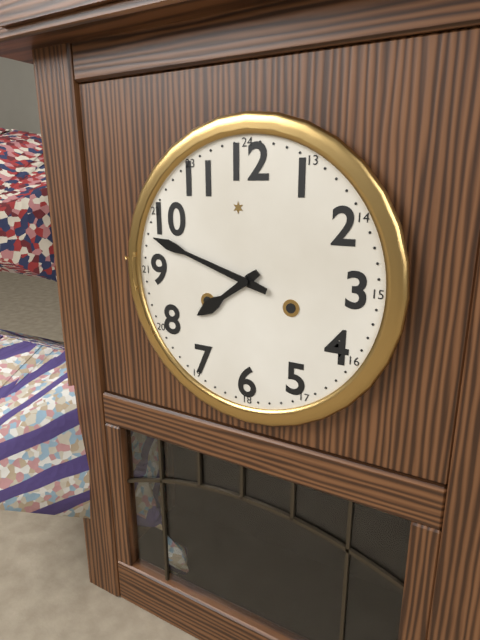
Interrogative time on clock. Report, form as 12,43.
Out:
7,48
